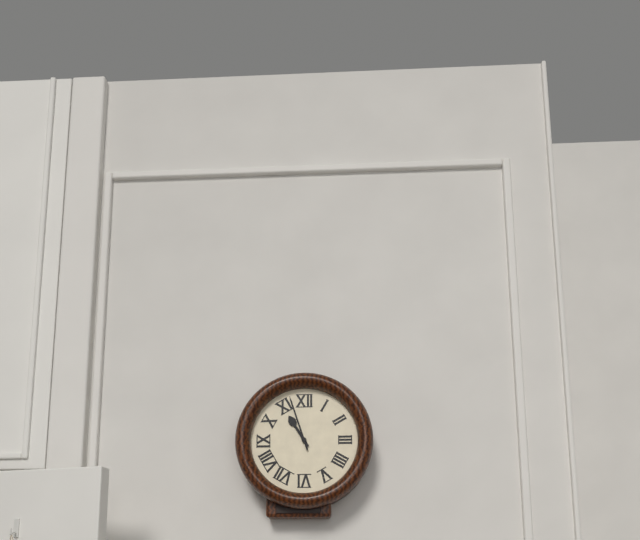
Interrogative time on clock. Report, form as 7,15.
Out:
10,57
